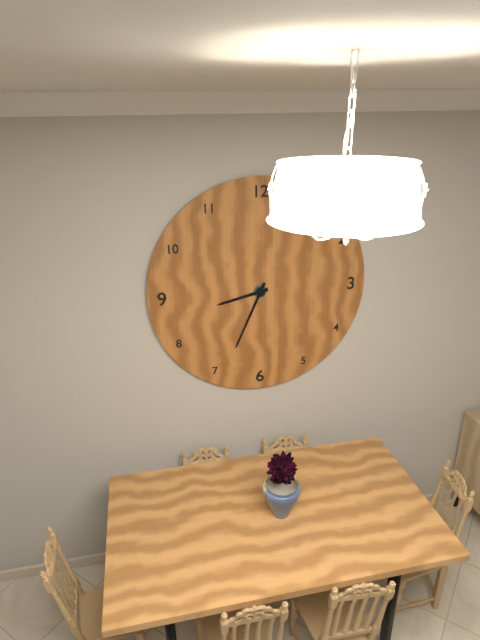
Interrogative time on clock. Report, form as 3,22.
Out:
8,34
